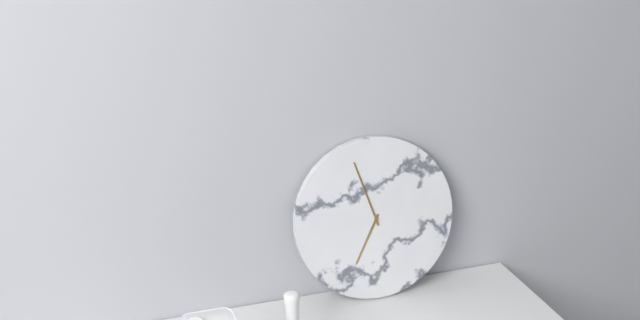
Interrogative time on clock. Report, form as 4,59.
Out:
6,57
